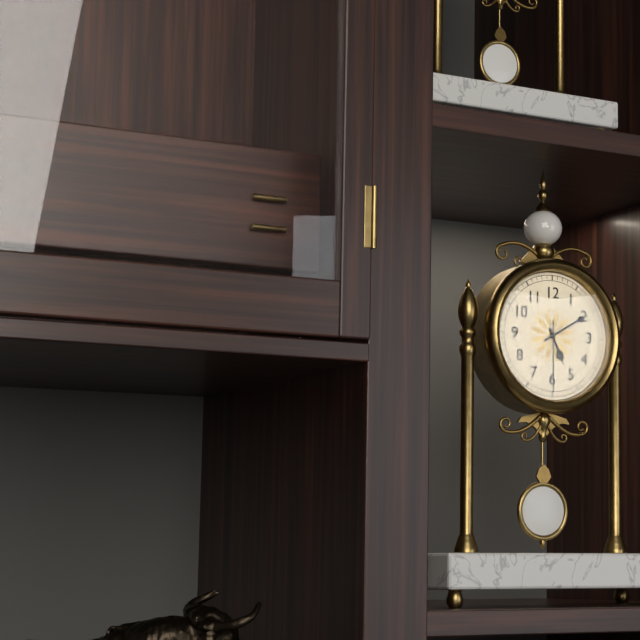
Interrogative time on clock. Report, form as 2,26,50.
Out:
5,10,30
